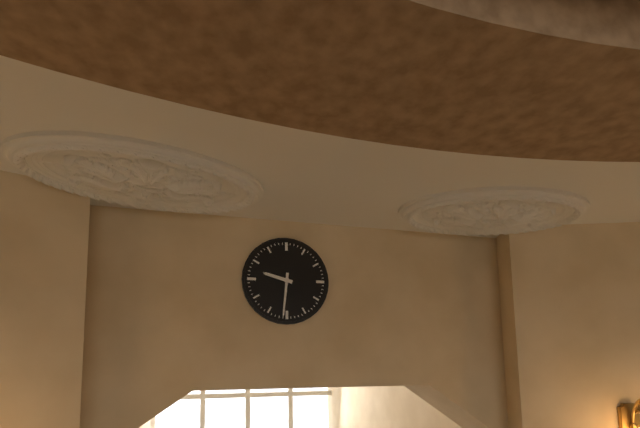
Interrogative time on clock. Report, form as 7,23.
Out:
9,31
